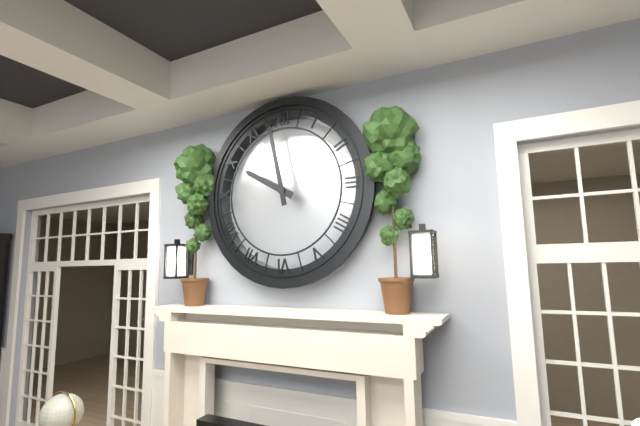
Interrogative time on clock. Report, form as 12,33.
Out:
9,58
